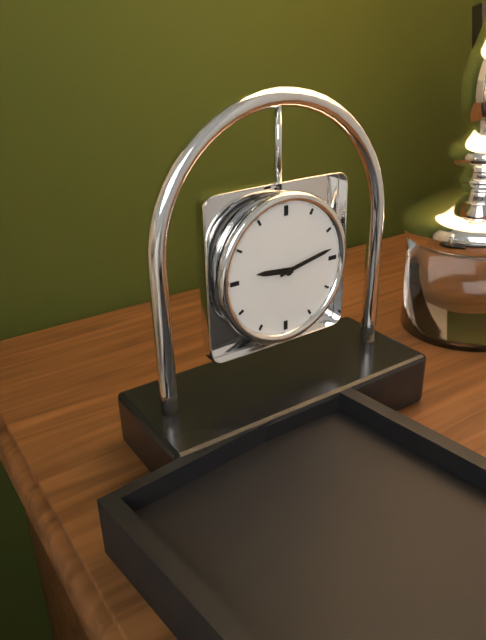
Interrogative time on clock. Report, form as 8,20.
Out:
9,13
